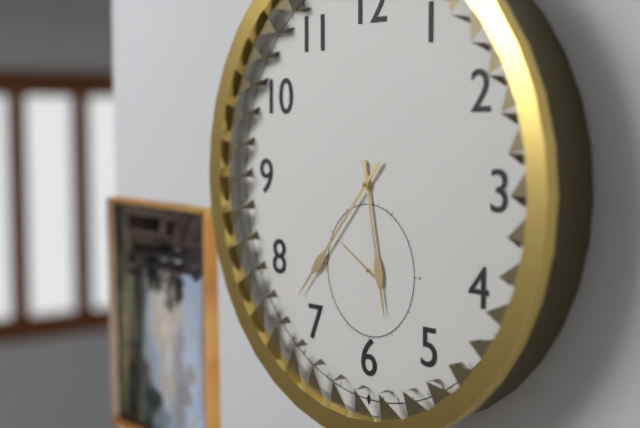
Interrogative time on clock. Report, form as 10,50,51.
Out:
5,37,50
